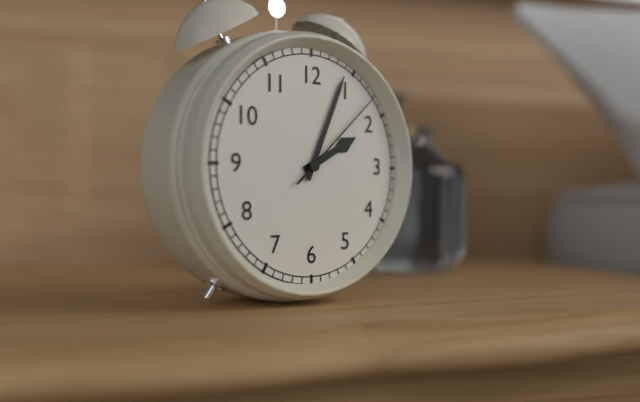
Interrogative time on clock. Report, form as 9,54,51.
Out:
2,04,08
